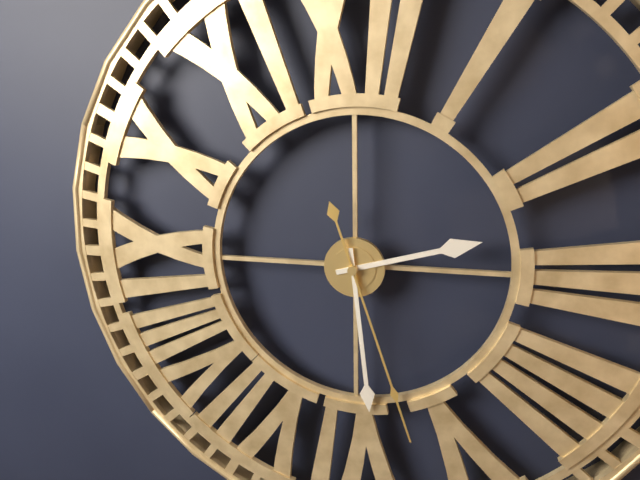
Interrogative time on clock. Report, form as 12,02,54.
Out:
2,29,27
